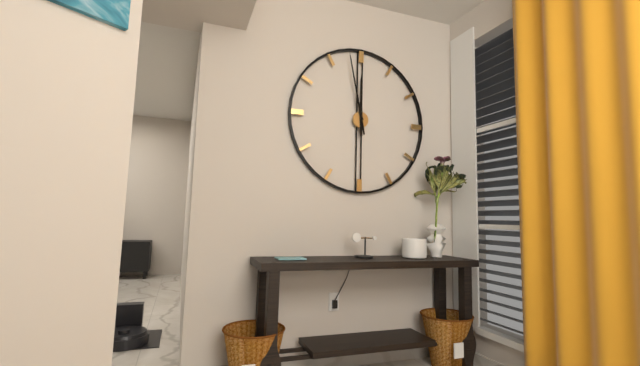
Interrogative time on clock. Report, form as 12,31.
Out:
11,58
